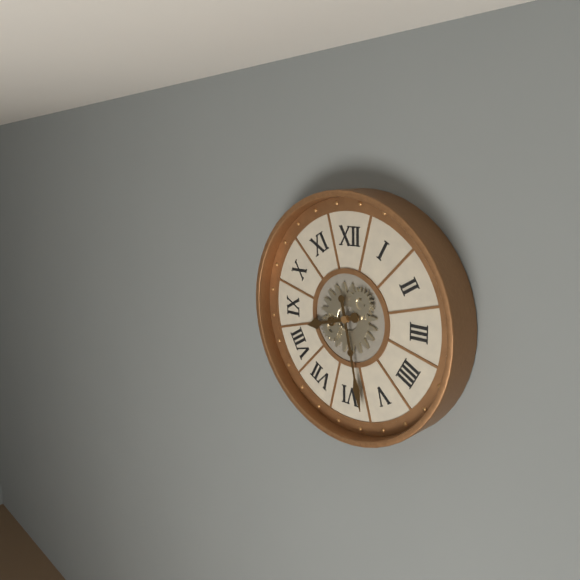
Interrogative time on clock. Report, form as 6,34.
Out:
8,28
